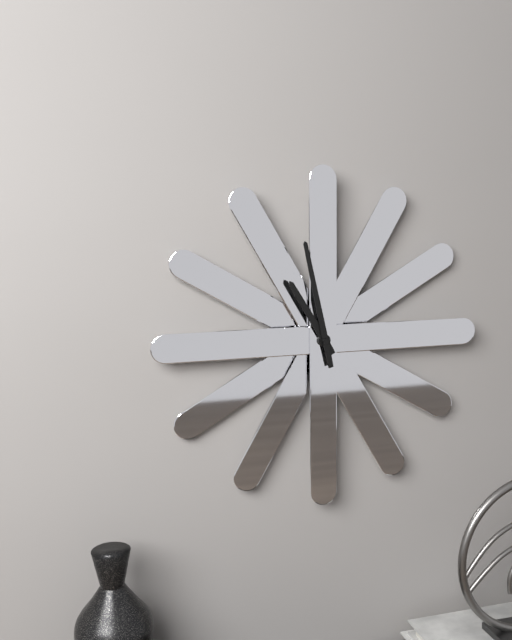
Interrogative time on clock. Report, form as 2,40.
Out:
10,58
